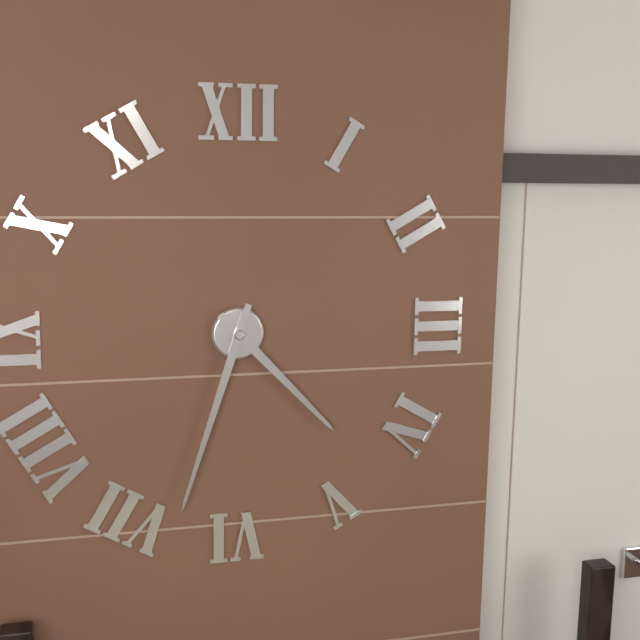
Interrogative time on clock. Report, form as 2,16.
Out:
4,33
